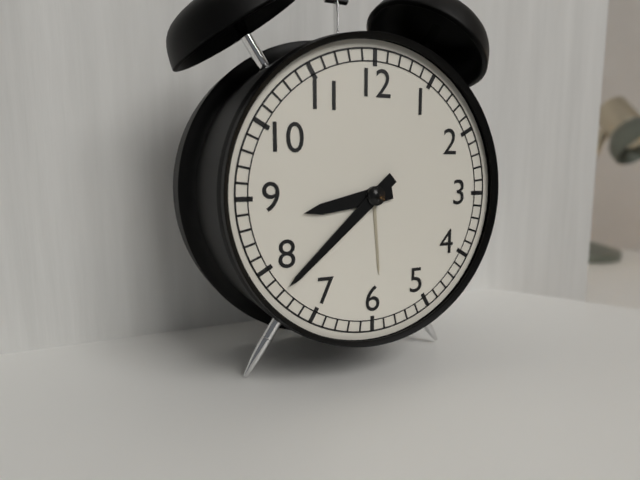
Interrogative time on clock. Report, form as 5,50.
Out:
8,38
